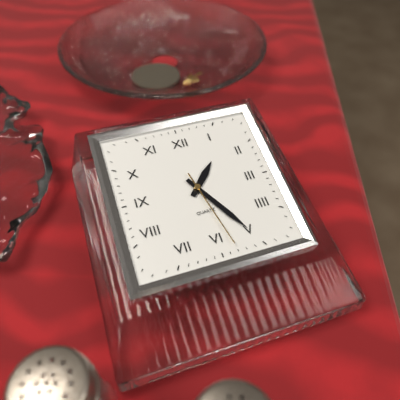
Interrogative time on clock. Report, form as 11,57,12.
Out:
1,25,28
